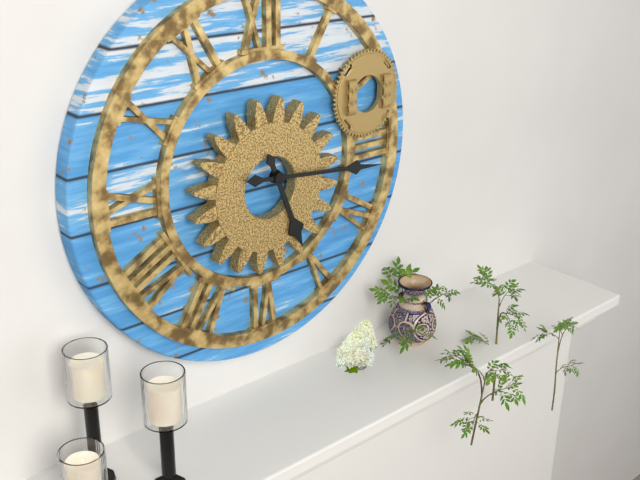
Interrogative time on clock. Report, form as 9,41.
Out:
5,16
